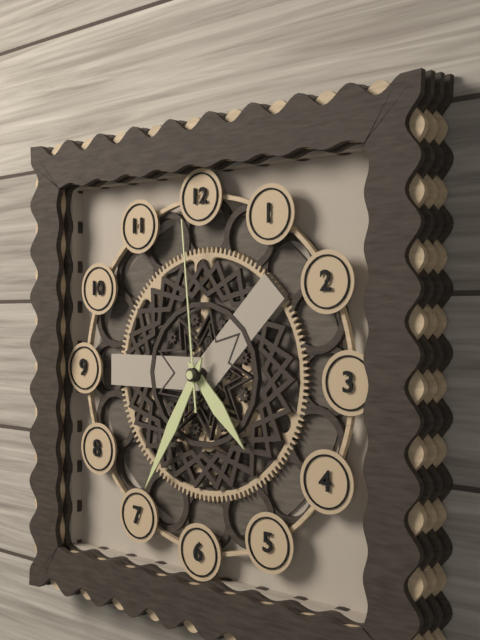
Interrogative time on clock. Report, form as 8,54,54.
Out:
4,35,59
